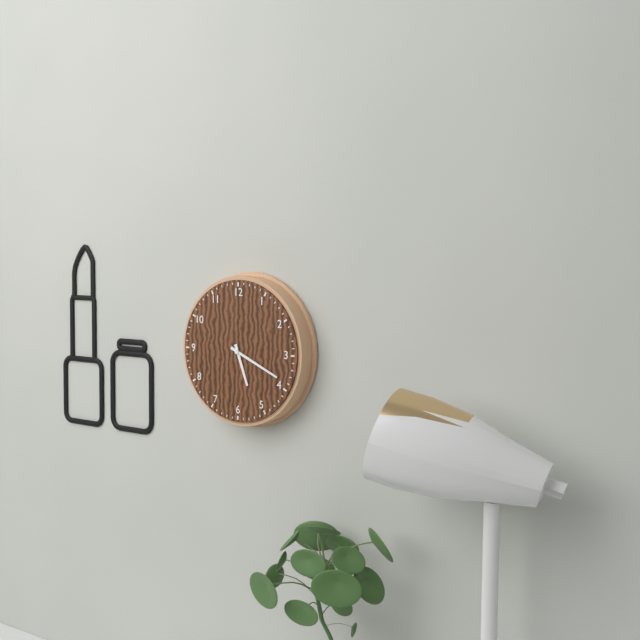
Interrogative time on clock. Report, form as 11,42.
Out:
5,19
